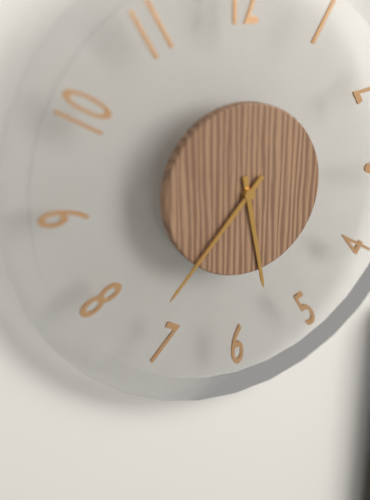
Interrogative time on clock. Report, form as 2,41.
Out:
5,37
